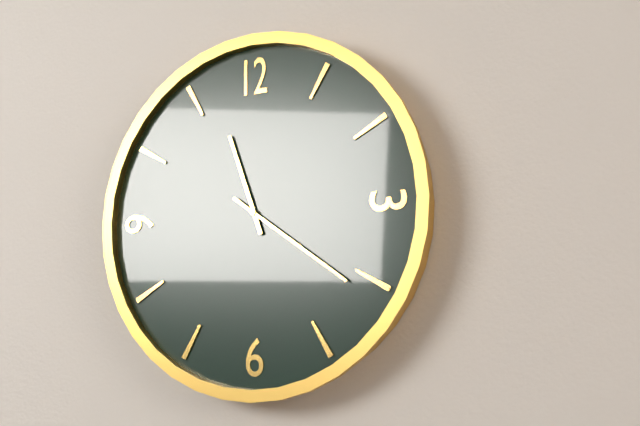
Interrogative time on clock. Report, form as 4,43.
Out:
11,21
